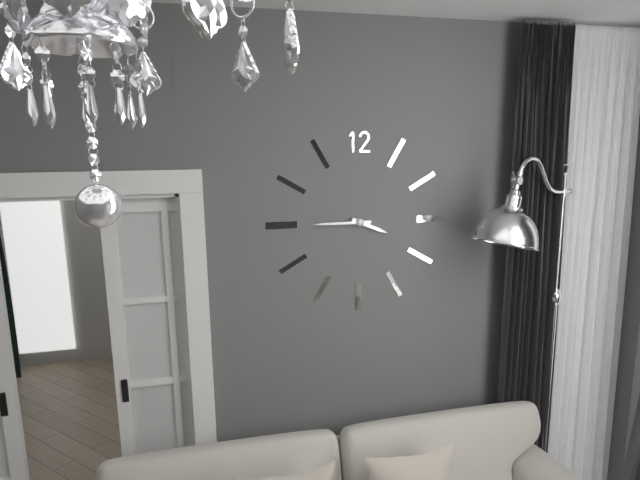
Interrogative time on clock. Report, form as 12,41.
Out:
3,45
